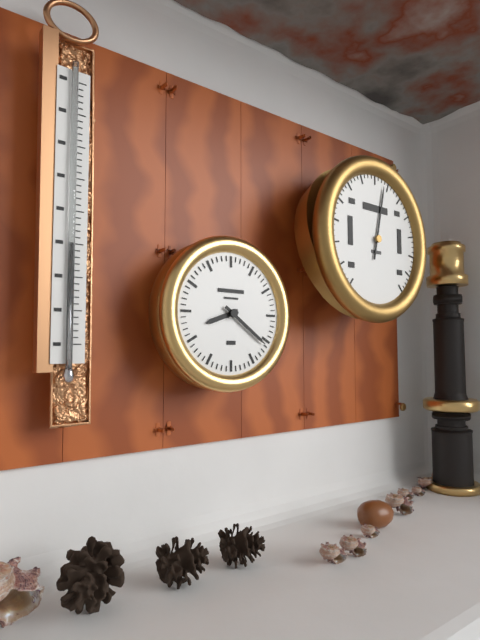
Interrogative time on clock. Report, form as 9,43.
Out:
8,21
